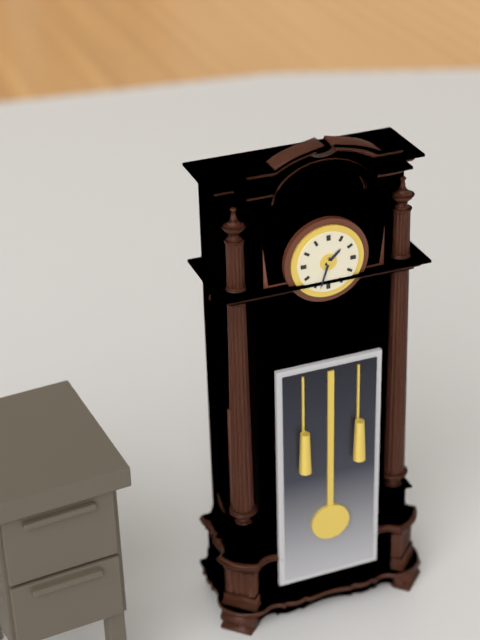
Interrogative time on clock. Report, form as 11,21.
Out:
1,33
